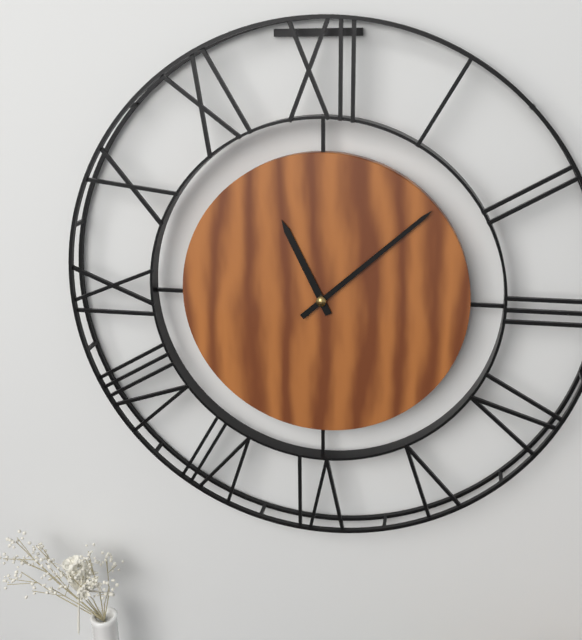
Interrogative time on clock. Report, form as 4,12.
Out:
11,08
